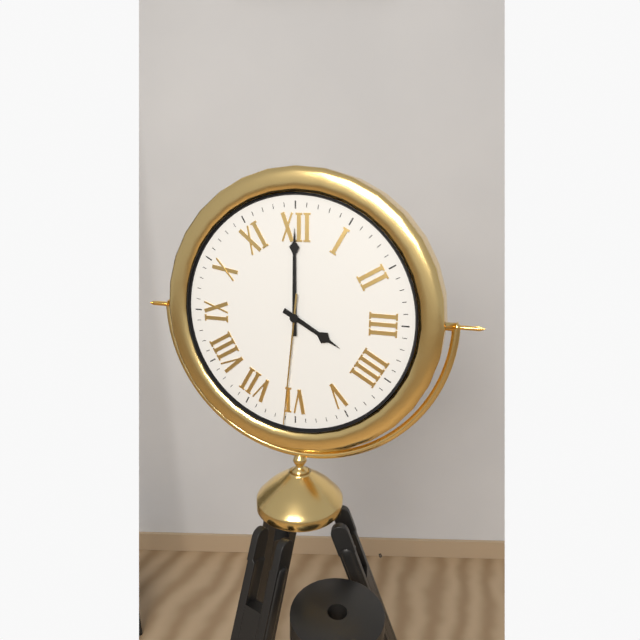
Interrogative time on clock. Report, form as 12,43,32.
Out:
4,00,31
